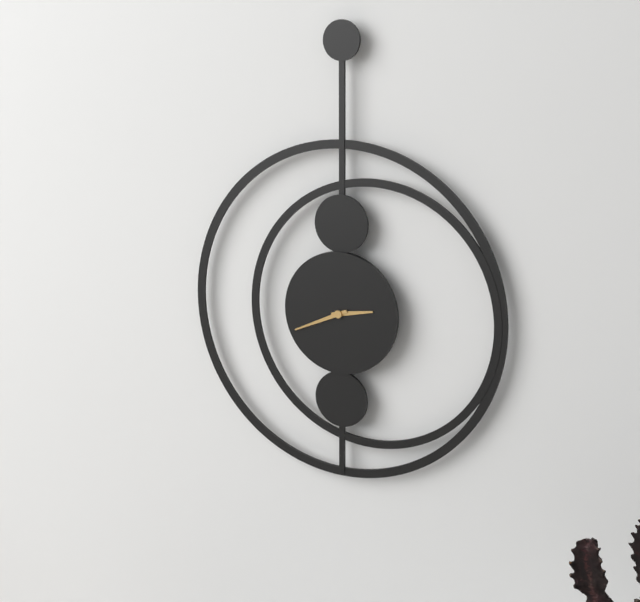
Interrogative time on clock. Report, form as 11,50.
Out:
2,41
